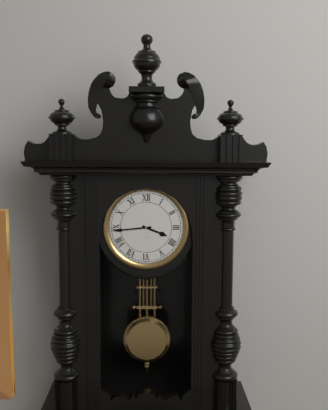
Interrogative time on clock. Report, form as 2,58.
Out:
3,44
